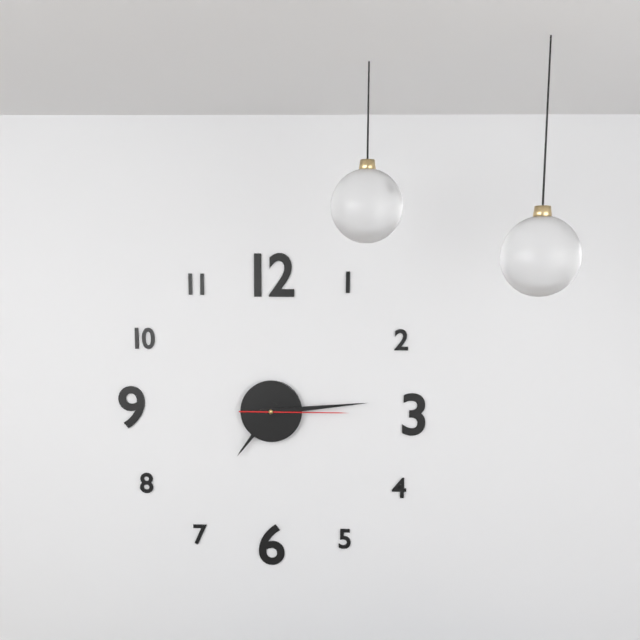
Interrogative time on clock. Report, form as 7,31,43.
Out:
7,14,15
